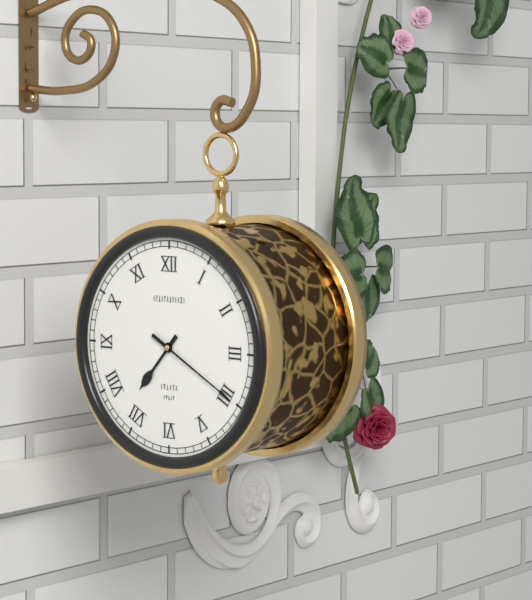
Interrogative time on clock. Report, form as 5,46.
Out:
7,20
